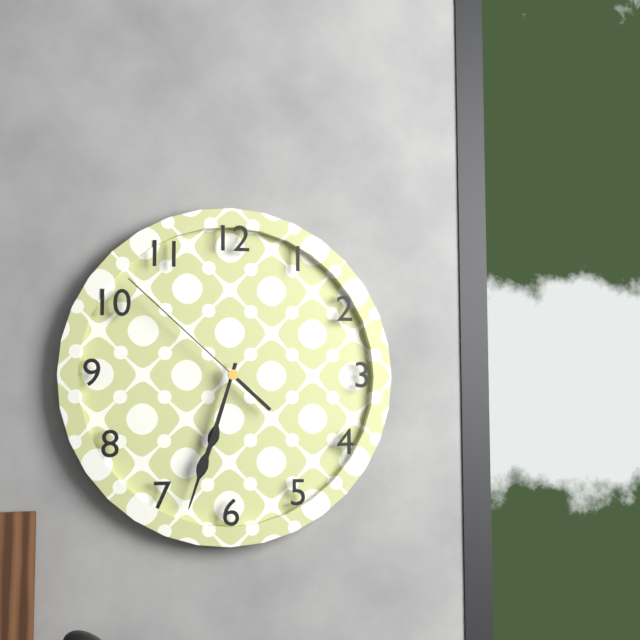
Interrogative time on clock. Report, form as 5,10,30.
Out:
6,33,52
